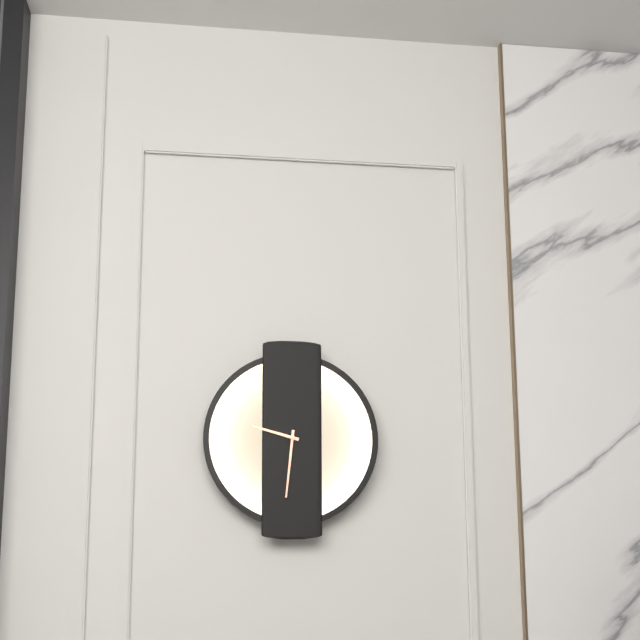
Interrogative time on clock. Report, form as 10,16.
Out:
9,31
